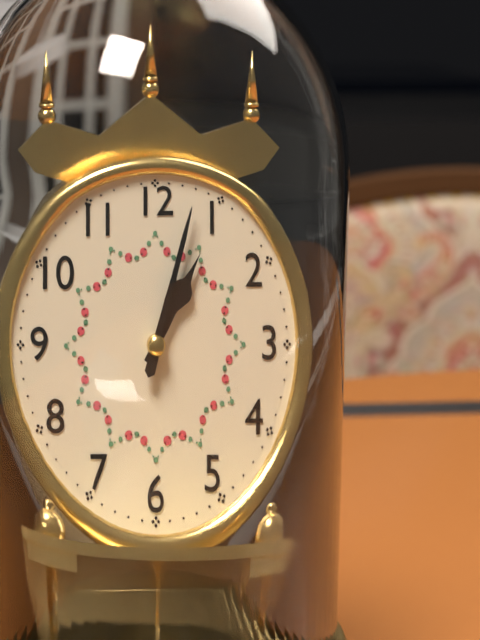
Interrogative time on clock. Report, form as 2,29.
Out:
1,03
